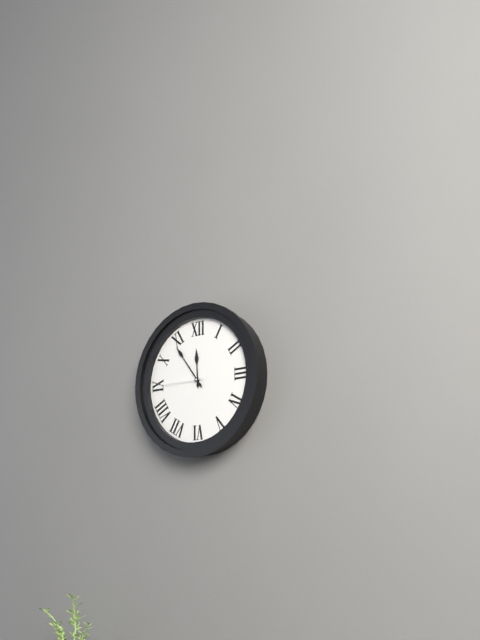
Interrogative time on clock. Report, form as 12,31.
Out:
11,54
